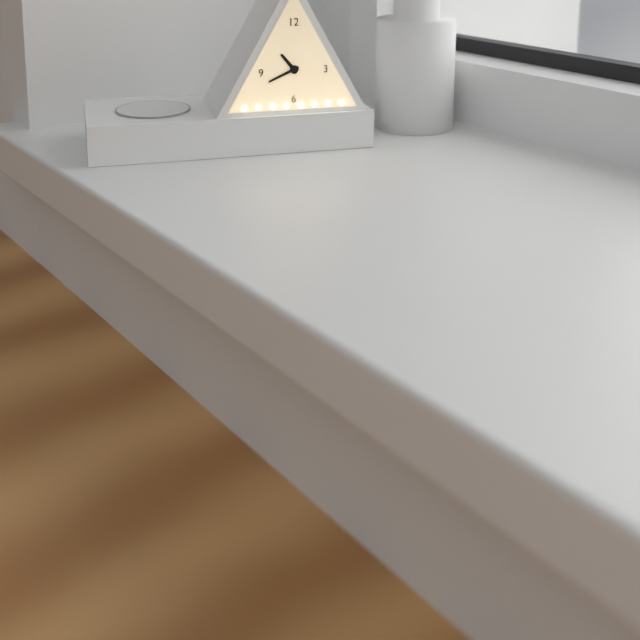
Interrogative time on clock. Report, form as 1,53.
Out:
10,41
